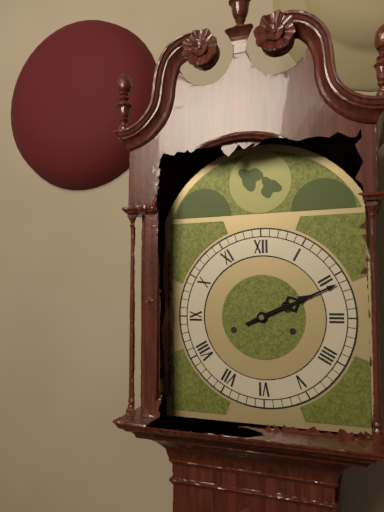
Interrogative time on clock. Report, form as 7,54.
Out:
2,11
